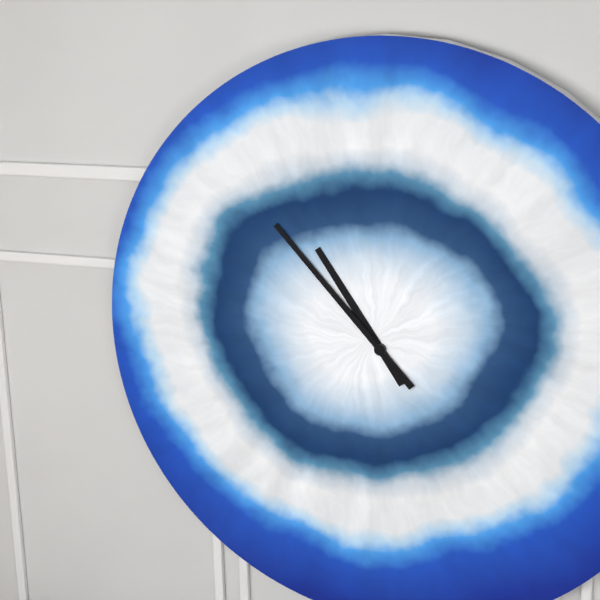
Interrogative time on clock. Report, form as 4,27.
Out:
10,53
